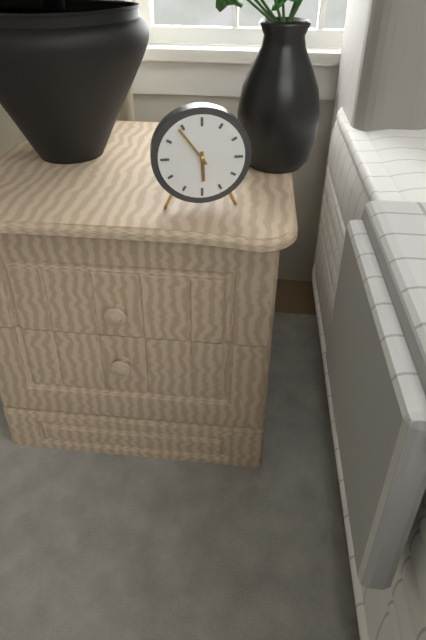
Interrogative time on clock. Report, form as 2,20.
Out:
5,54
